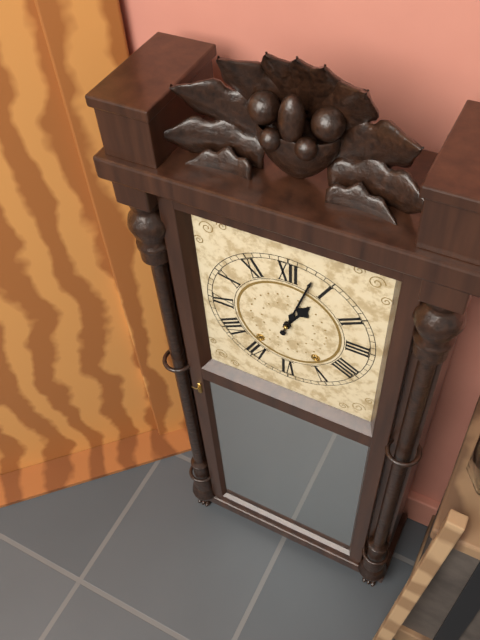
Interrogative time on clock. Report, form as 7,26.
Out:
1,03
